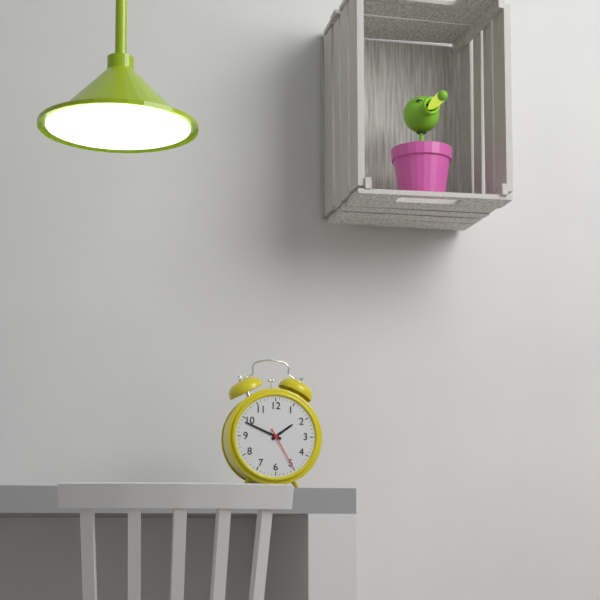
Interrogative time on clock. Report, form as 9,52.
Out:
1,49
